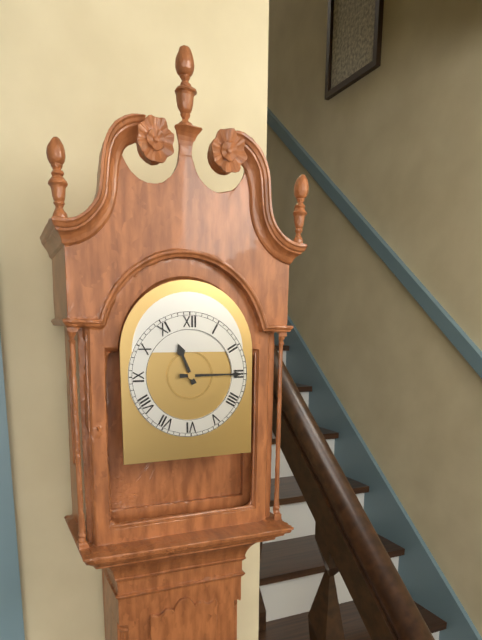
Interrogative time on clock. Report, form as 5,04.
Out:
11,15
